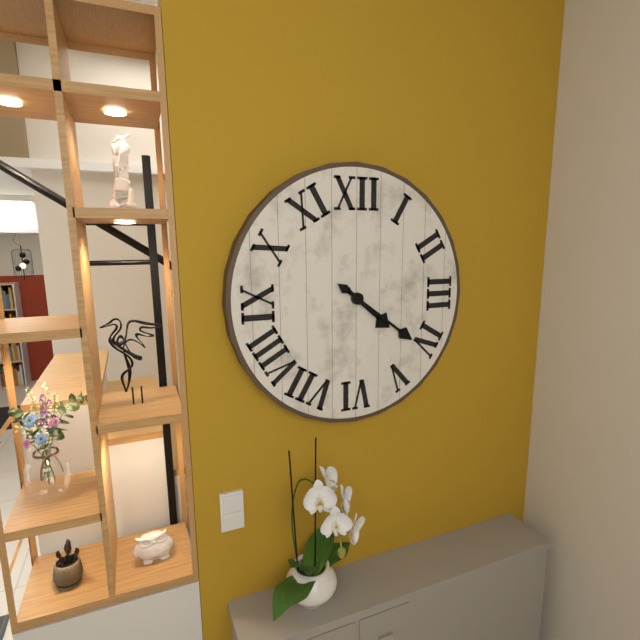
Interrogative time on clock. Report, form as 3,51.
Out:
4,21
